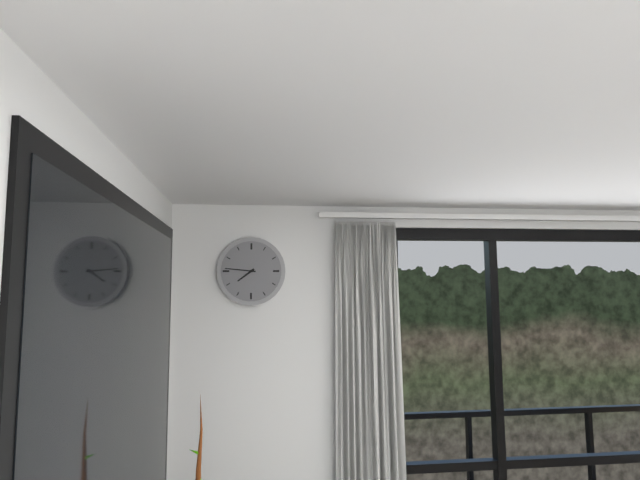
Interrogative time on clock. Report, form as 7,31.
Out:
7,46
